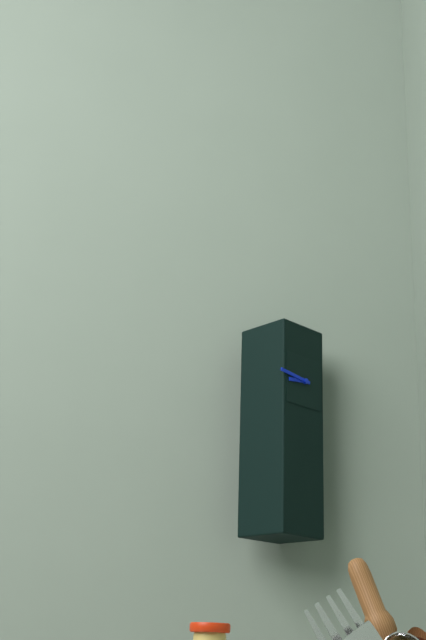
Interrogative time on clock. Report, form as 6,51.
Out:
8,46
